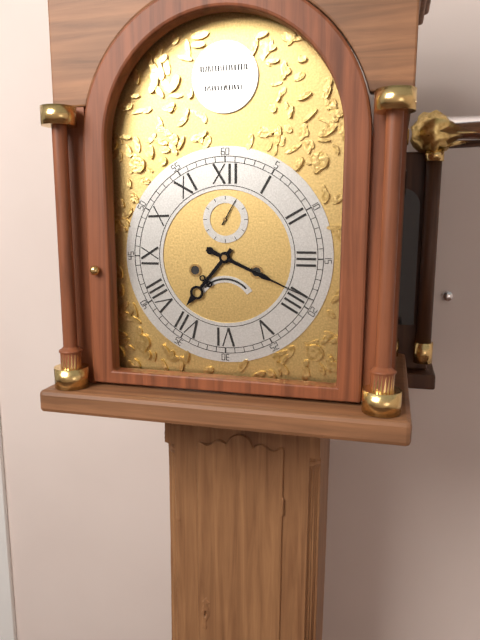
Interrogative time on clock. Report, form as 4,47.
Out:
7,19
